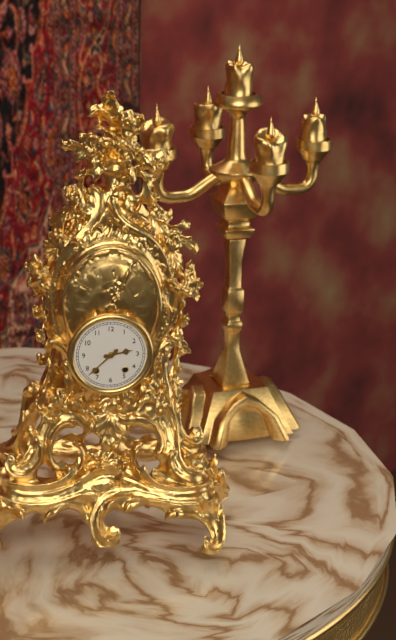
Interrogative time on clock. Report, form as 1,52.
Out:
2,38
